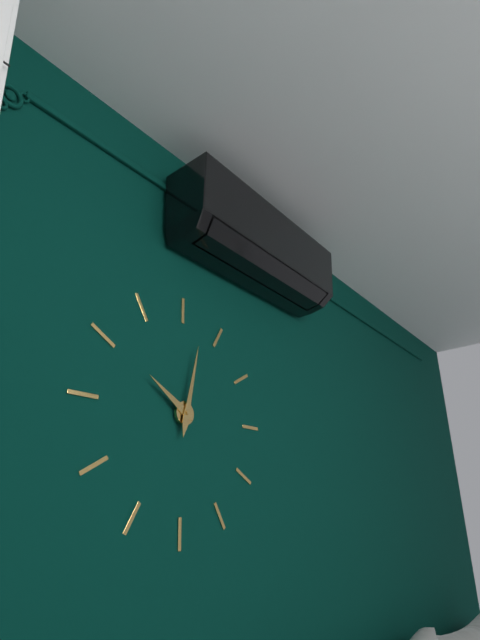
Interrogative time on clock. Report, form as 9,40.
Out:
10,02
